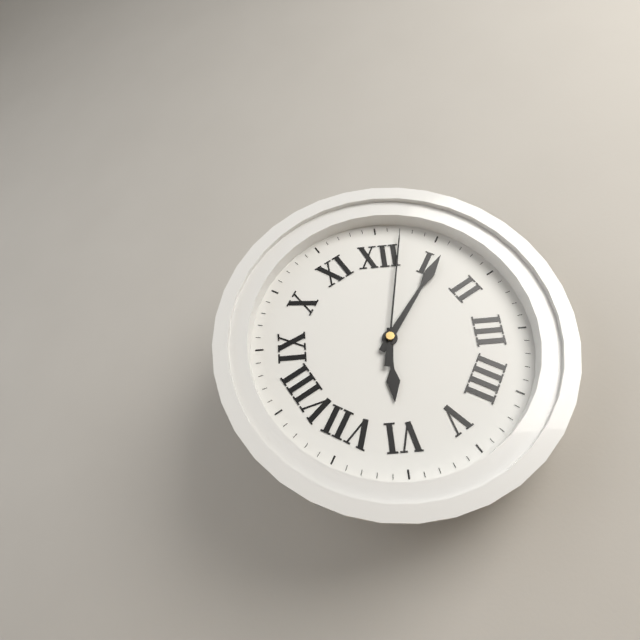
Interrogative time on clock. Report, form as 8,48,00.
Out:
6,06,02
